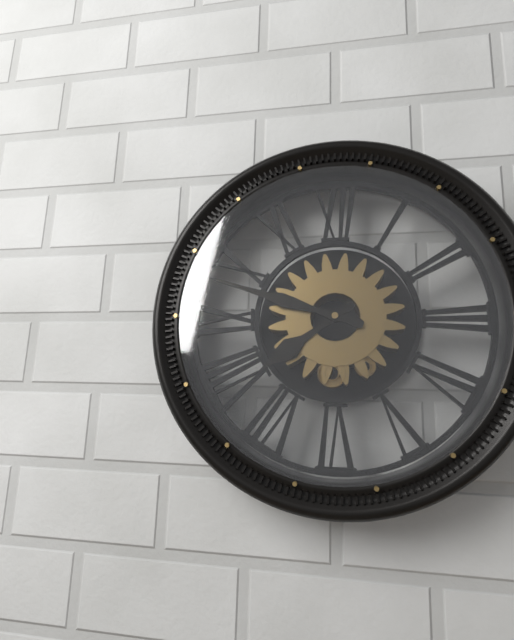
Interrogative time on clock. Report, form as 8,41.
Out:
7,48
